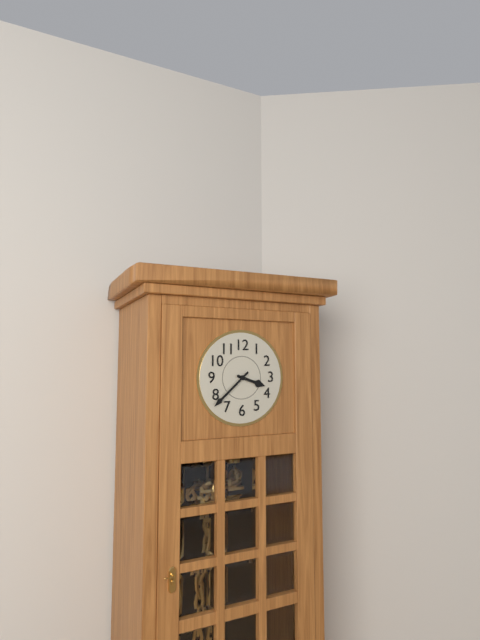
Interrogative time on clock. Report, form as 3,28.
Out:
3,38
